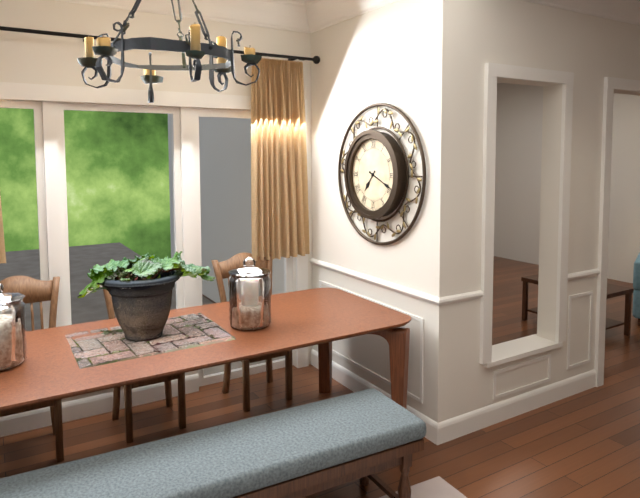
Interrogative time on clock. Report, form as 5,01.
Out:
7,19
